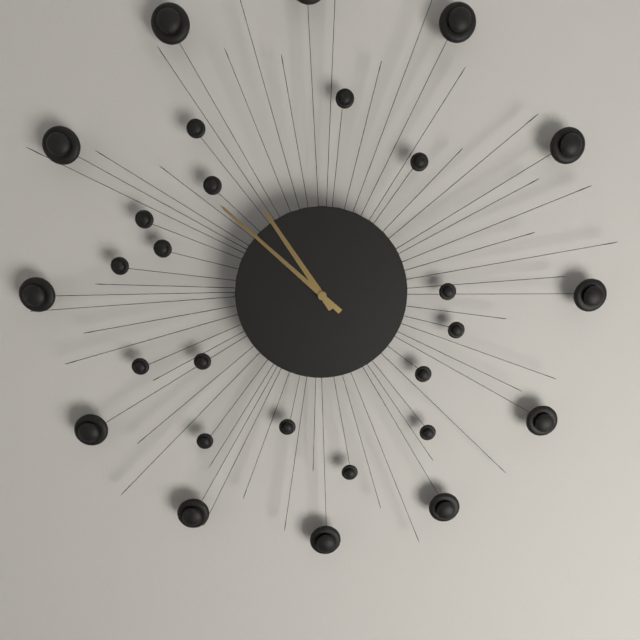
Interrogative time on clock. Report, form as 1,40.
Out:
10,52
